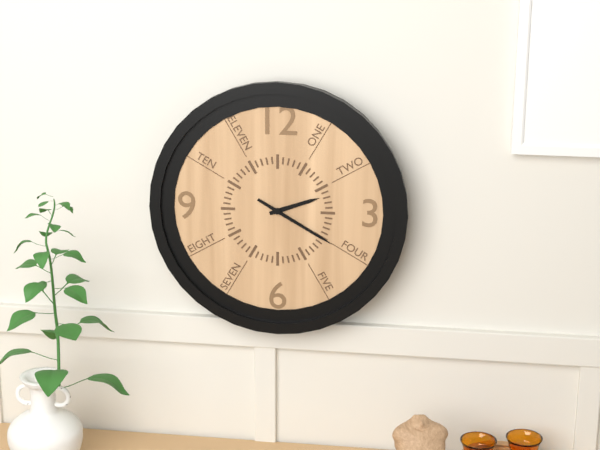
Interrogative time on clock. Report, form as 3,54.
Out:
2,20
